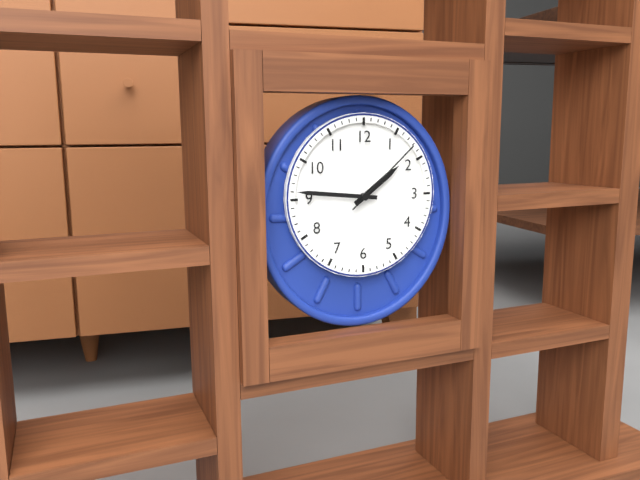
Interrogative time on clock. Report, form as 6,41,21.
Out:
1,46,08
